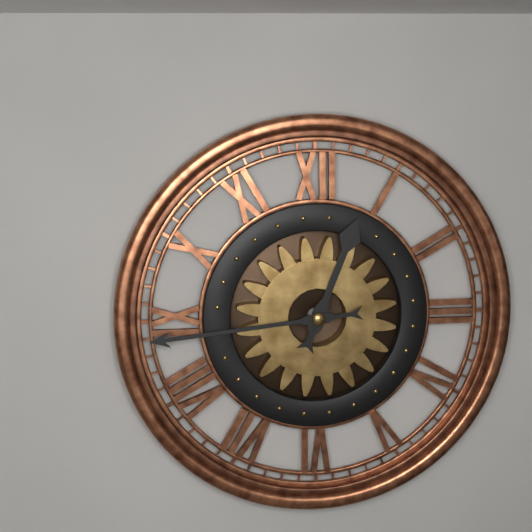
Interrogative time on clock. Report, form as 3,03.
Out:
12,44
